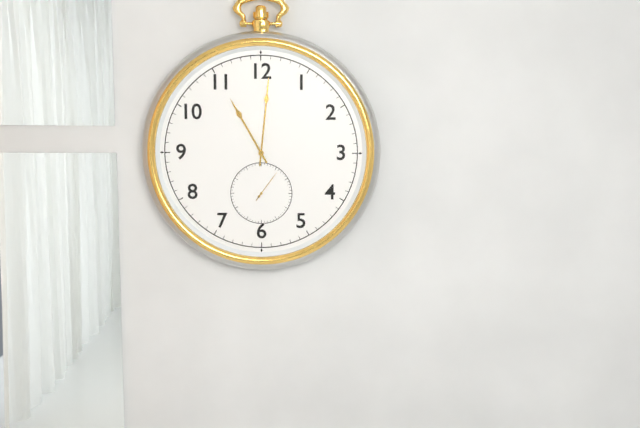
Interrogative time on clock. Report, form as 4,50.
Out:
11,01
